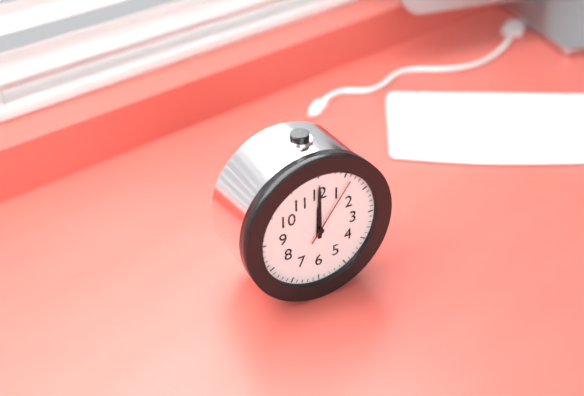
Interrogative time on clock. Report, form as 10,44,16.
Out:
12,00,06
